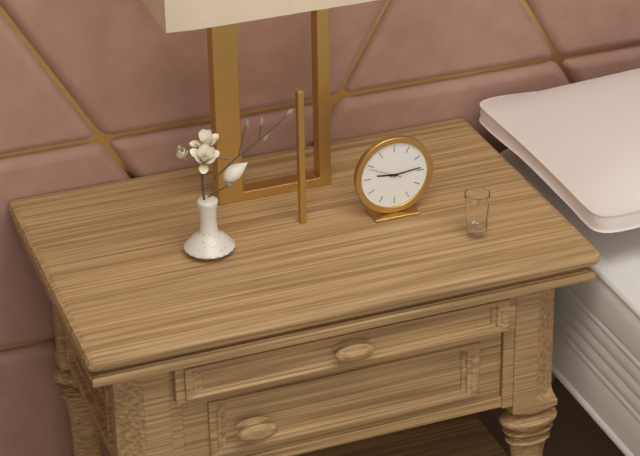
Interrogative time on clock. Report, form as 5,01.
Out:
9,14
